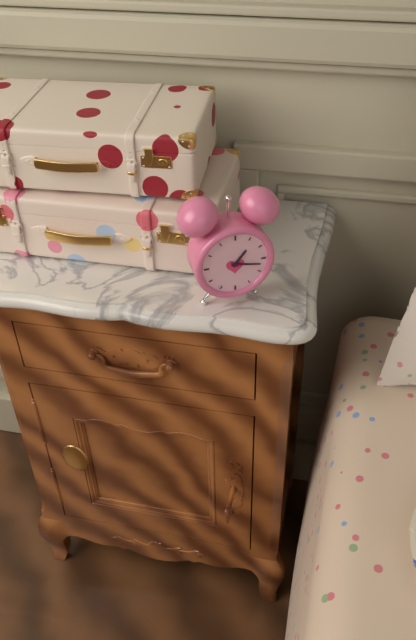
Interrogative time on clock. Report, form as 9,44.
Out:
1,17
